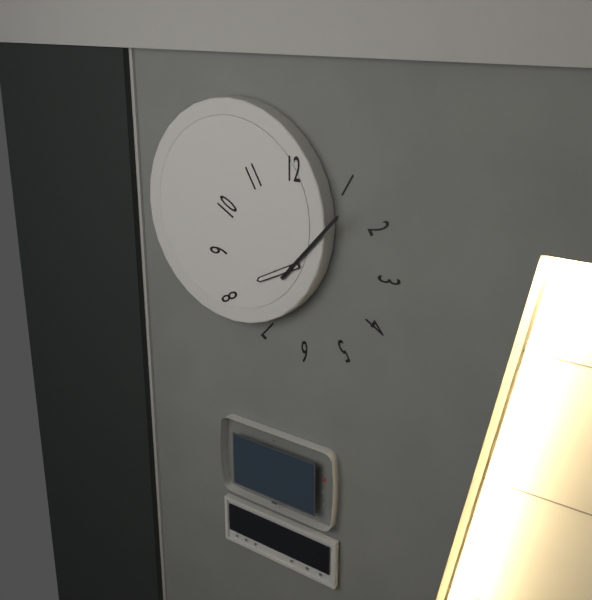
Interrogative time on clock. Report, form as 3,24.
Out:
8,07
